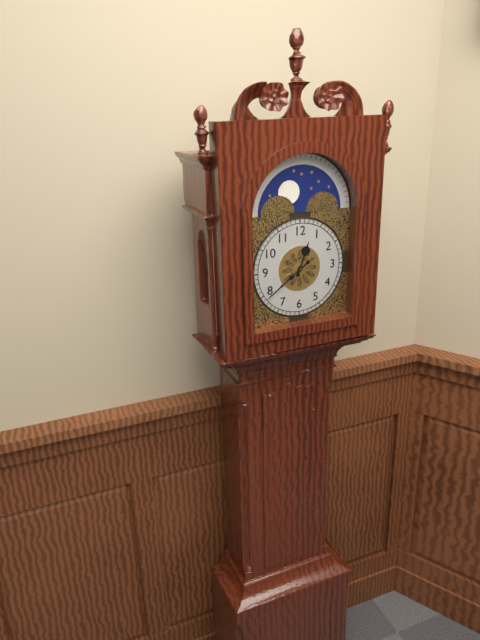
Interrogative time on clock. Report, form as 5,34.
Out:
12,39
